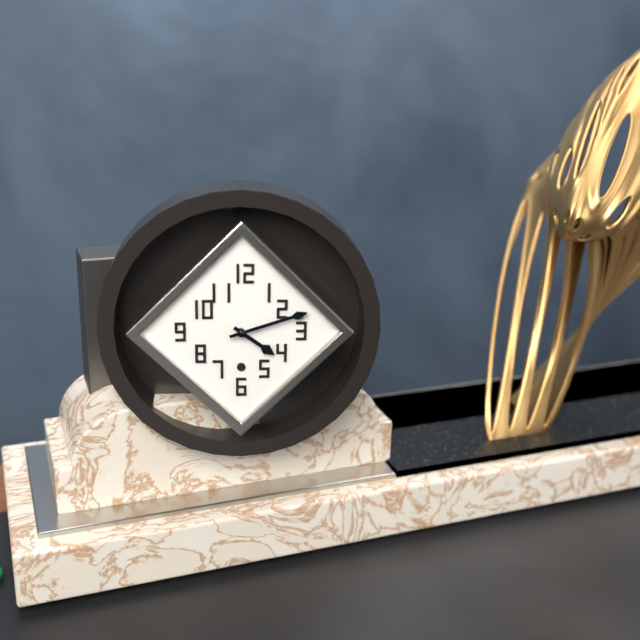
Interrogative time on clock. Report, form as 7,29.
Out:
4,12
